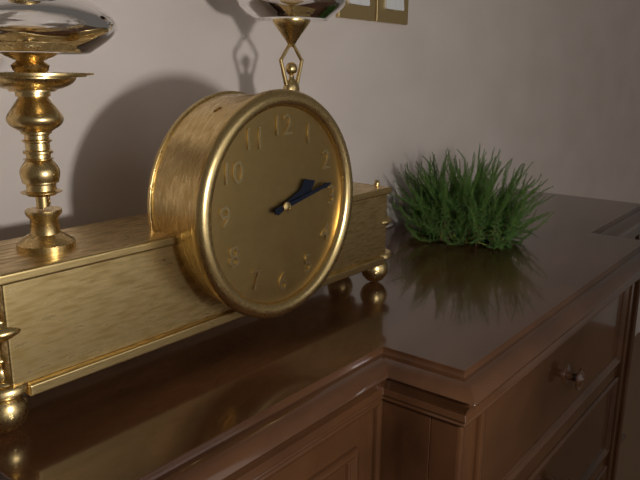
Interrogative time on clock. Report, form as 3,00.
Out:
2,13
